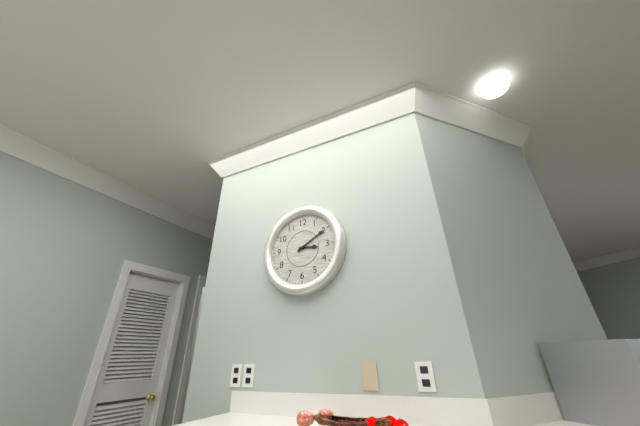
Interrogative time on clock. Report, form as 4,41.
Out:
3,10
